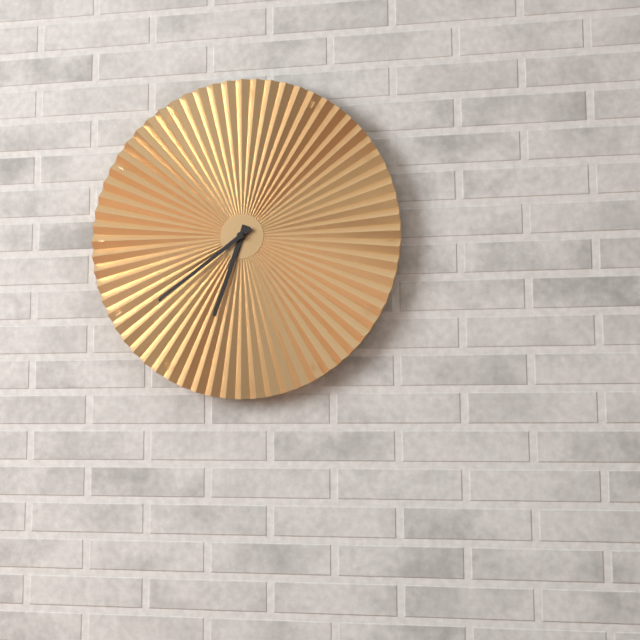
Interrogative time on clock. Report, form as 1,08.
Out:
6,39
